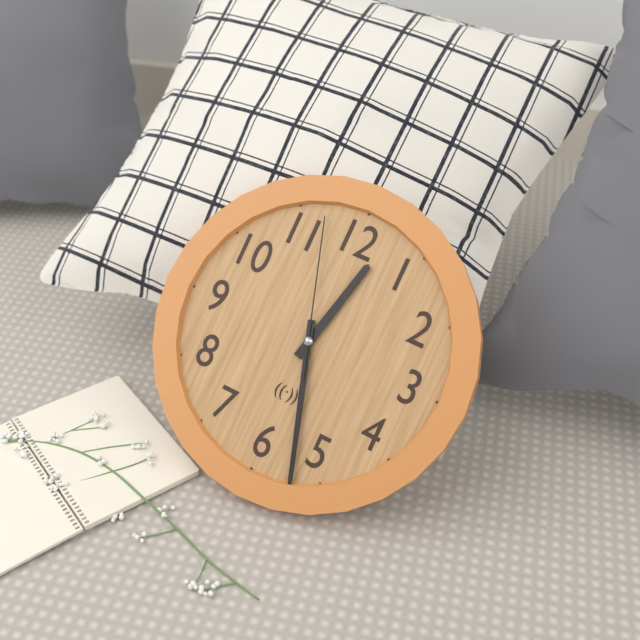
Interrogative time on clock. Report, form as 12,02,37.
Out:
12,27,57
